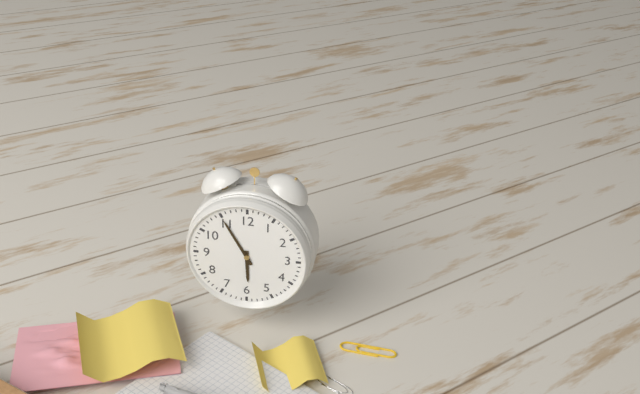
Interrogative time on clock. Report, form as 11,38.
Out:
5,55
